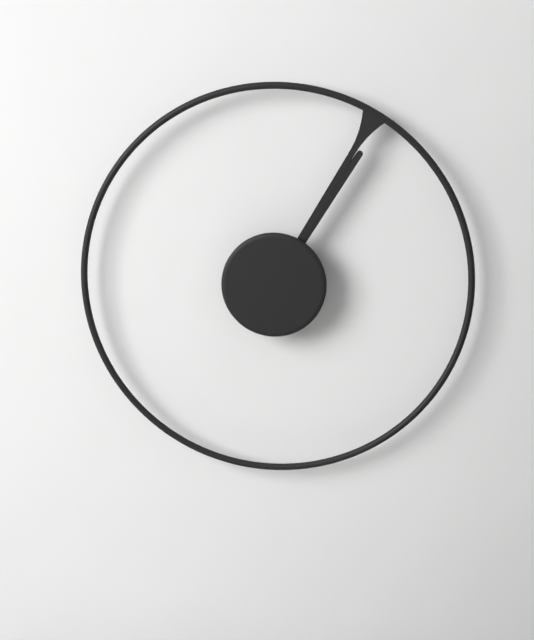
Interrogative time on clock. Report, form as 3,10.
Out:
1,05
